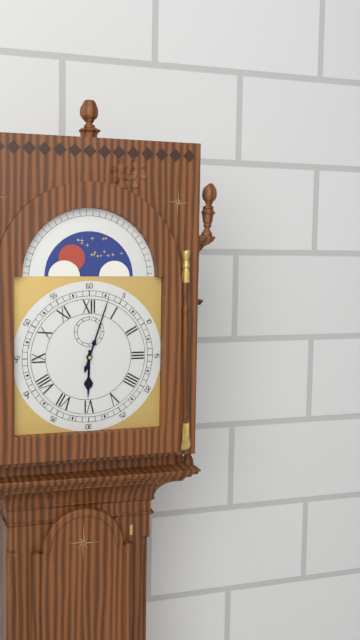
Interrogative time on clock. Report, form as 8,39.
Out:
6,03
